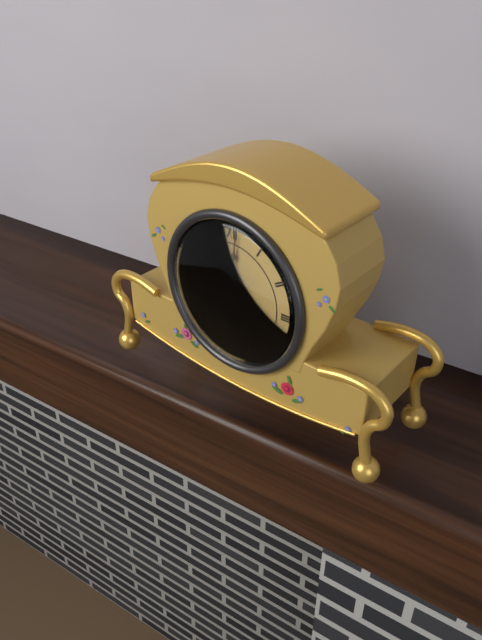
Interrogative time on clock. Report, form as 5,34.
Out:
5,01
